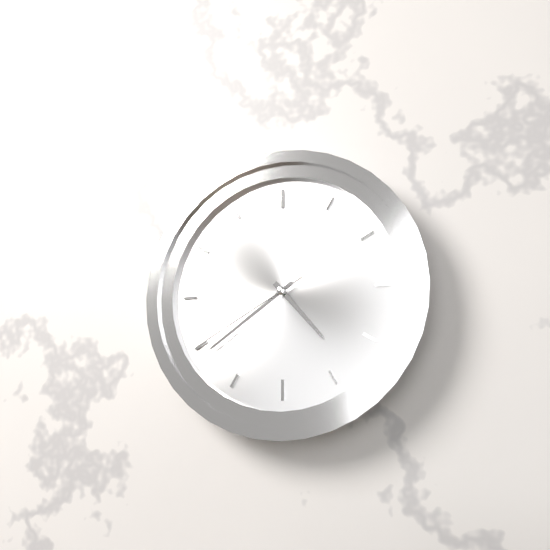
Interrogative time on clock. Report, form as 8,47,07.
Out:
4,39,40
